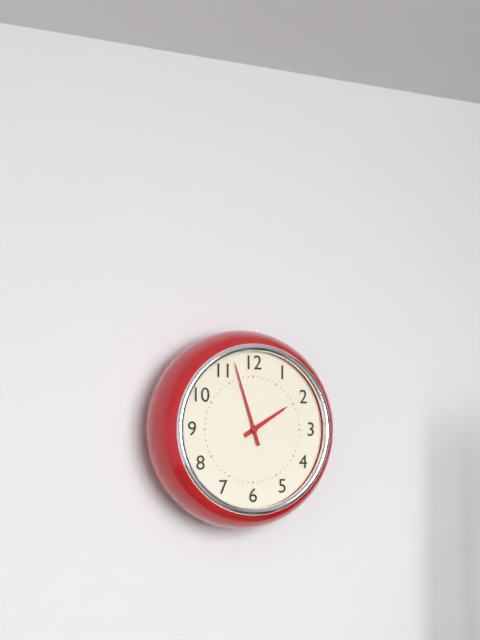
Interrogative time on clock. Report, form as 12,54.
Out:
1,57
